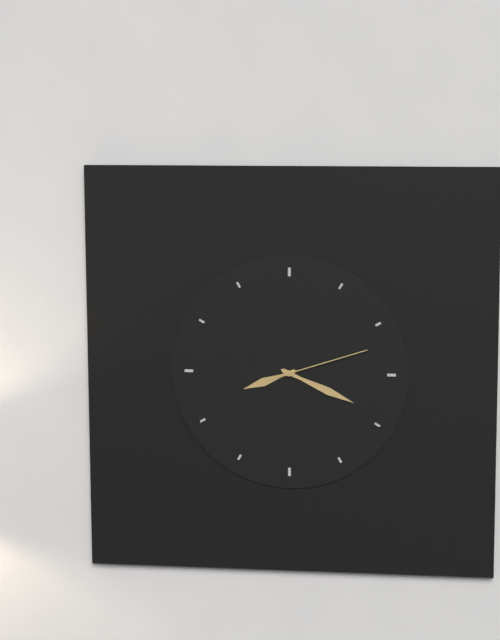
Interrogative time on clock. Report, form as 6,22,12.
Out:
8,19,12
